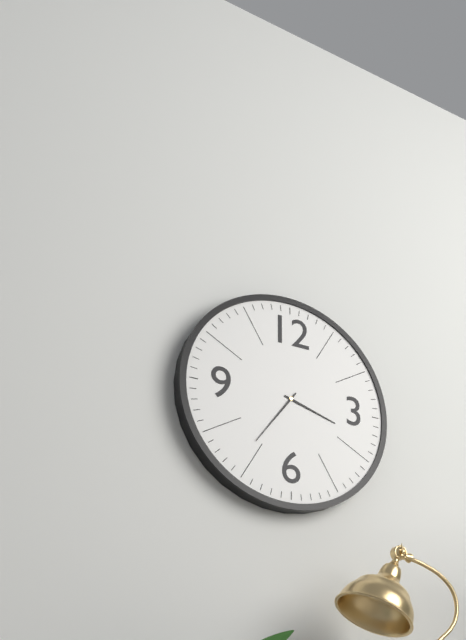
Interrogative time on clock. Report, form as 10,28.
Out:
3,36
